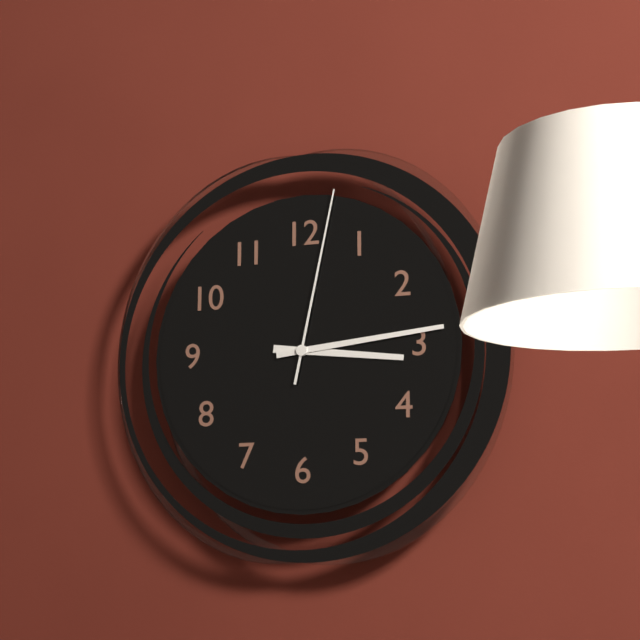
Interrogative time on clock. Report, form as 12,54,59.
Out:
3,14,02
